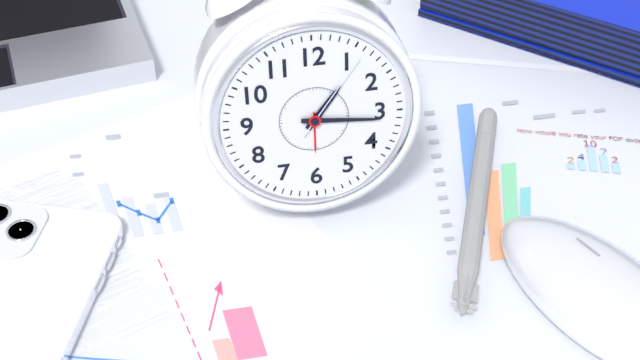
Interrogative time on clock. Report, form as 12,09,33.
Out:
1,16,06
